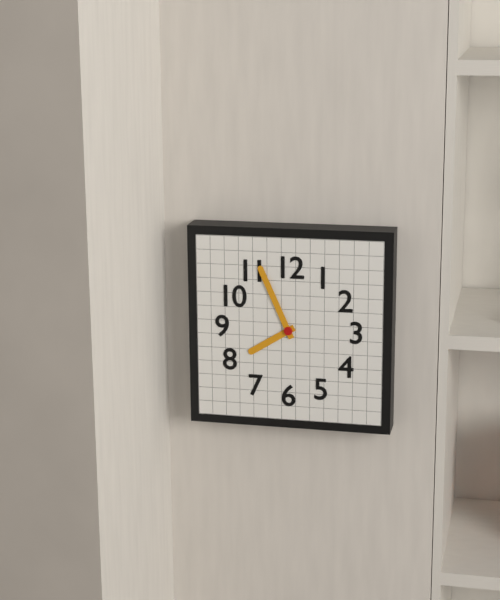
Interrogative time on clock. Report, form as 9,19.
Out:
7,56
